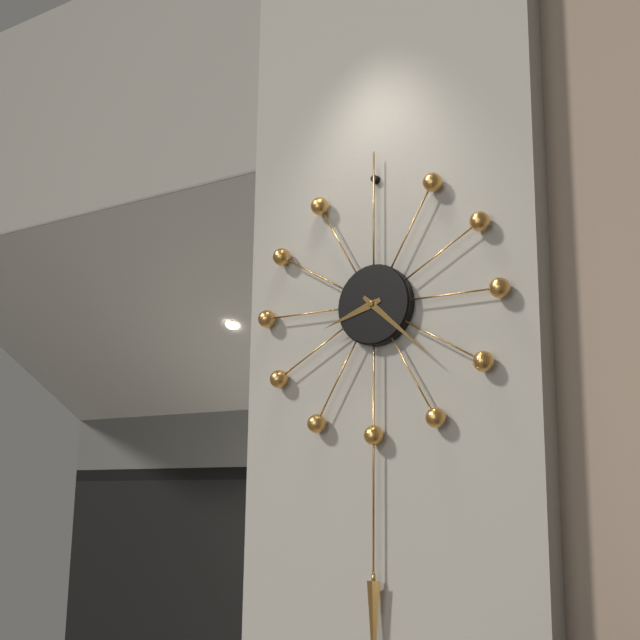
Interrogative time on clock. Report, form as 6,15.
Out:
8,22
